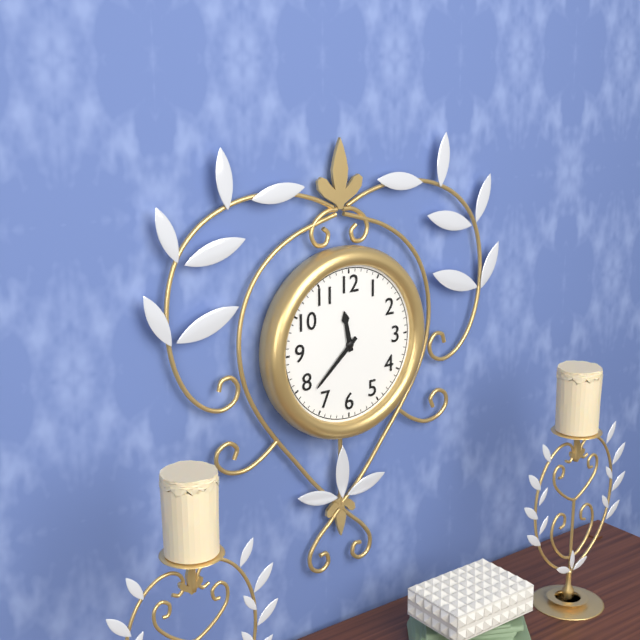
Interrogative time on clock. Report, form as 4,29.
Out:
11,38
